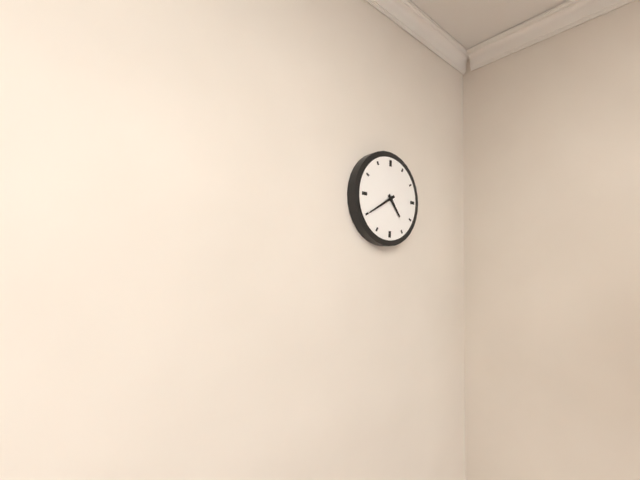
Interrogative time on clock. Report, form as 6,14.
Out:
4,40
